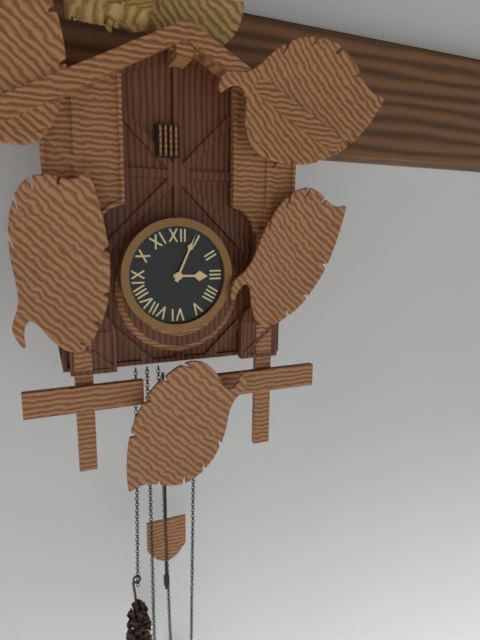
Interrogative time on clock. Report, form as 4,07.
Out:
3,04
